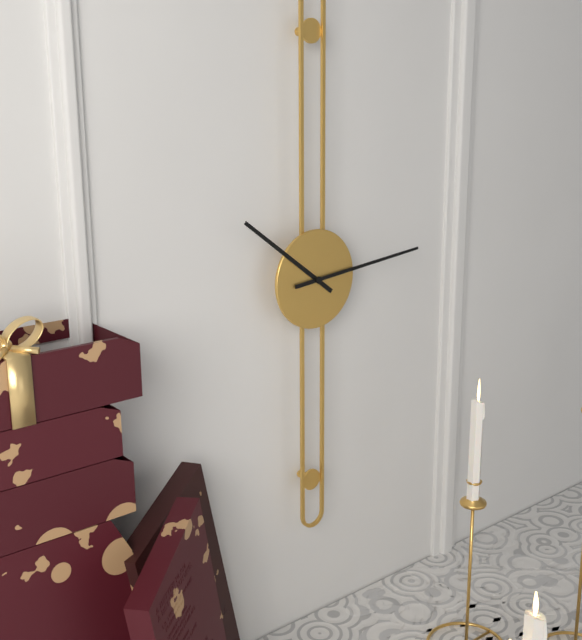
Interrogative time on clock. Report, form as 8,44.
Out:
10,14
